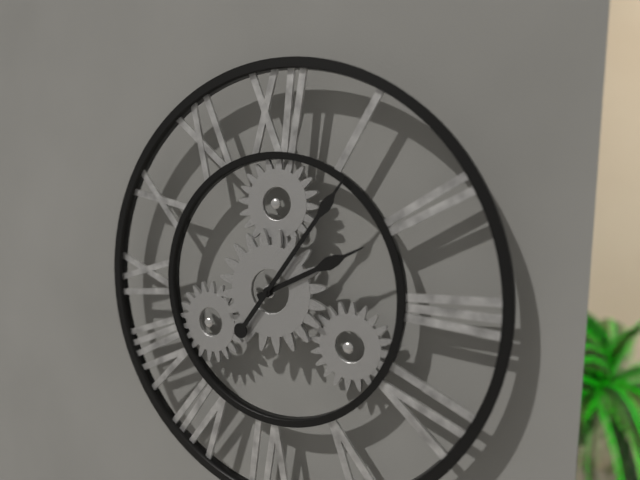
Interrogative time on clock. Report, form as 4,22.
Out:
2,06
